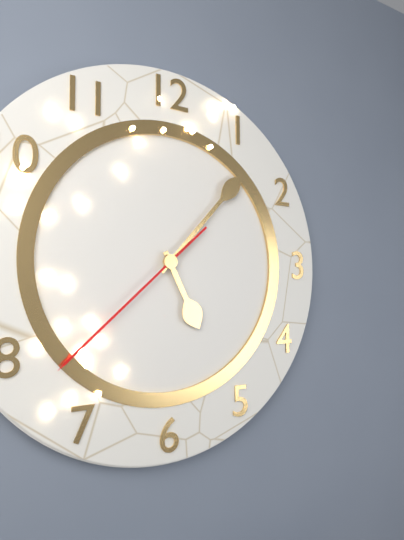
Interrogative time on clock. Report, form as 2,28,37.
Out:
5,07,38
